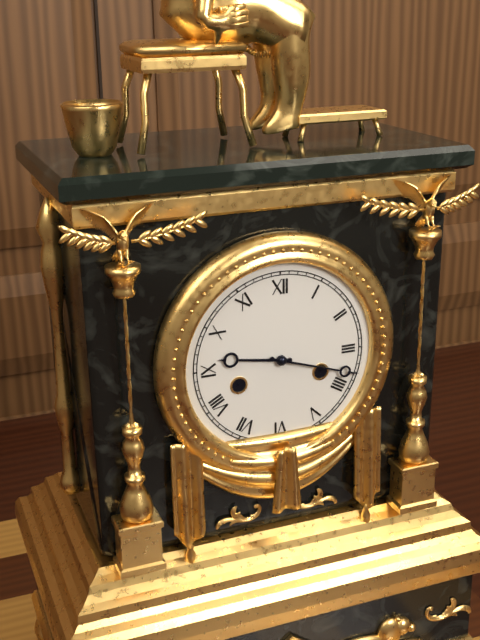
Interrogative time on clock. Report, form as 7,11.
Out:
9,18
